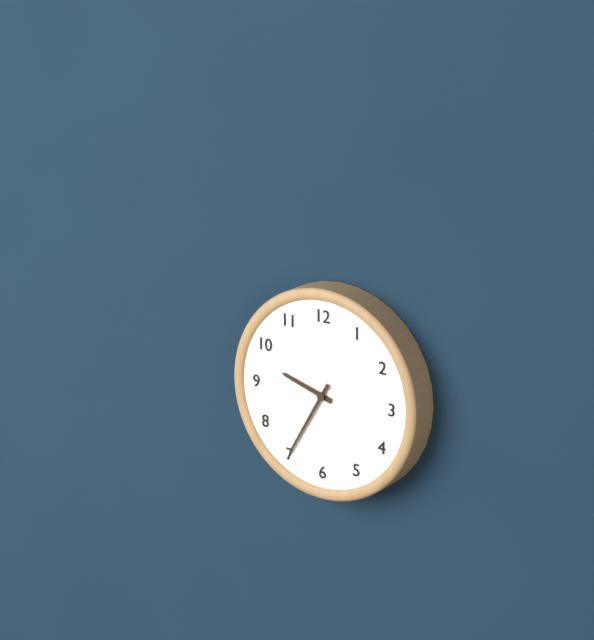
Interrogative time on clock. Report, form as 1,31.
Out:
9,35
